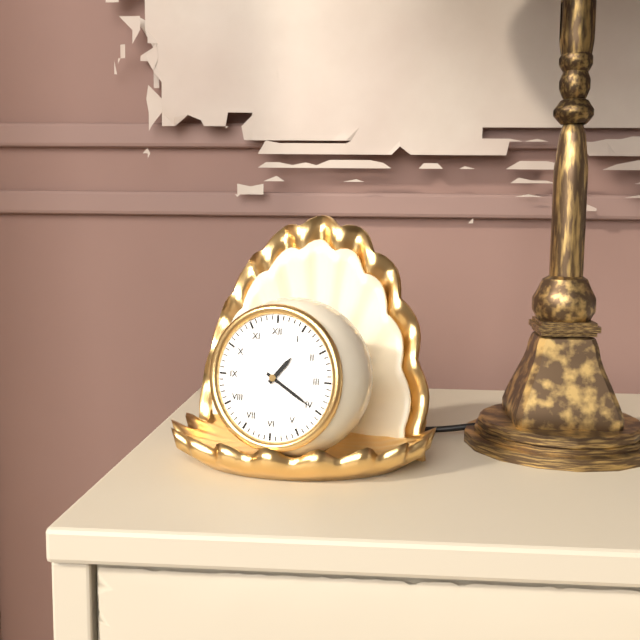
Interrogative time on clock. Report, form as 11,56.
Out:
1,20
